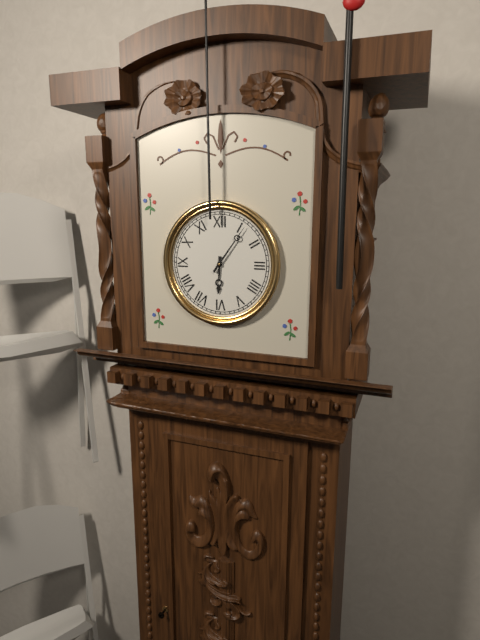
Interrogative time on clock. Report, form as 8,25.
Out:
6,06
